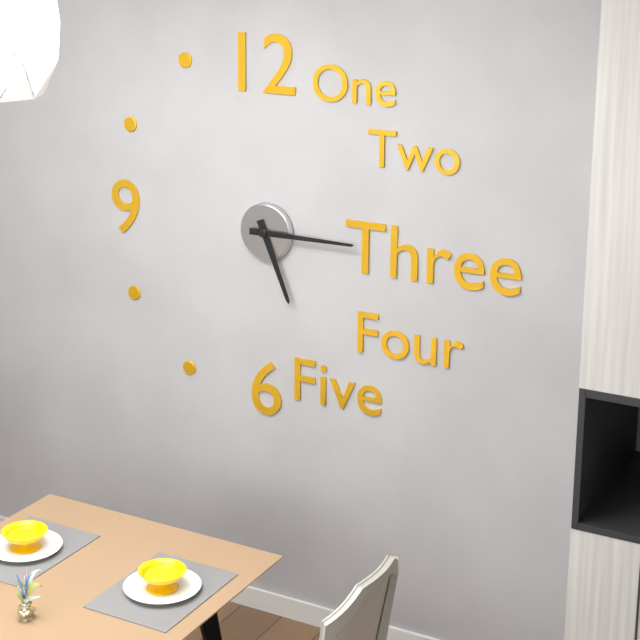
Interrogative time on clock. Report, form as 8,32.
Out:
5,15
